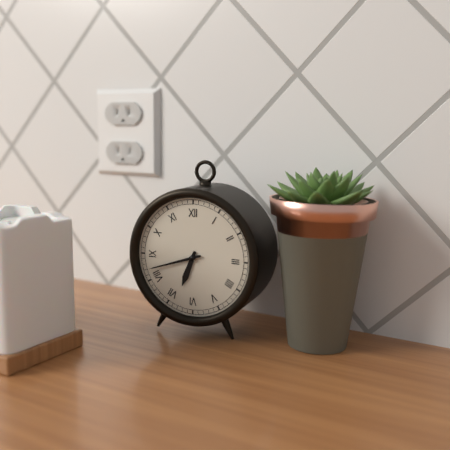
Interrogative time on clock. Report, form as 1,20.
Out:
6,42
